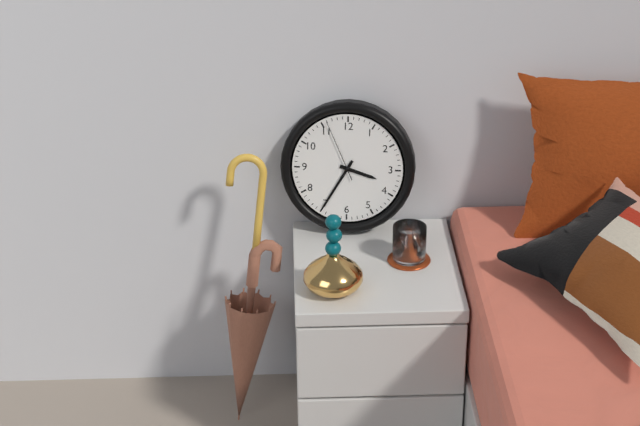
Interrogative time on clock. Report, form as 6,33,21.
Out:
3,35,56
